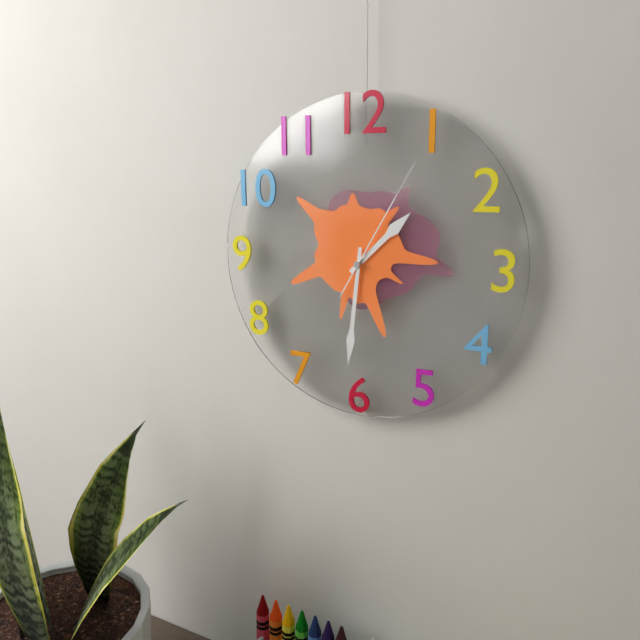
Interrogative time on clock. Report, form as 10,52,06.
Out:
1,31,05
